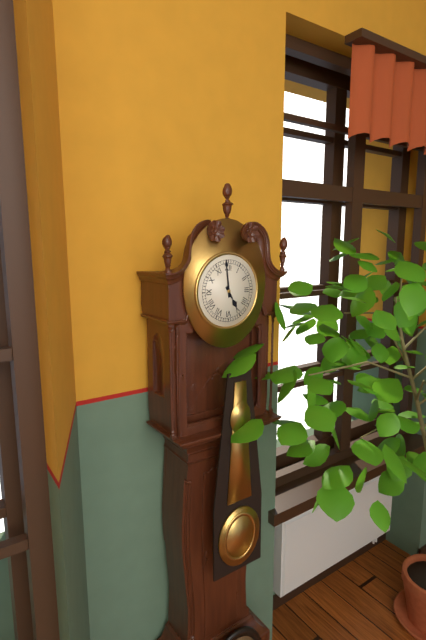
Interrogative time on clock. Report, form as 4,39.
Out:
4,59
